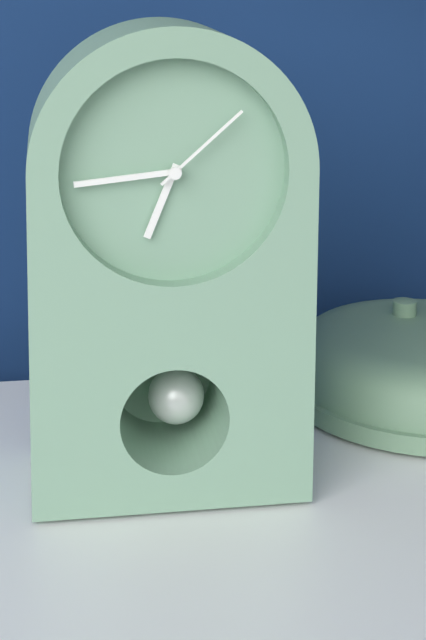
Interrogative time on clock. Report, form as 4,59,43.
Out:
6,44,08
